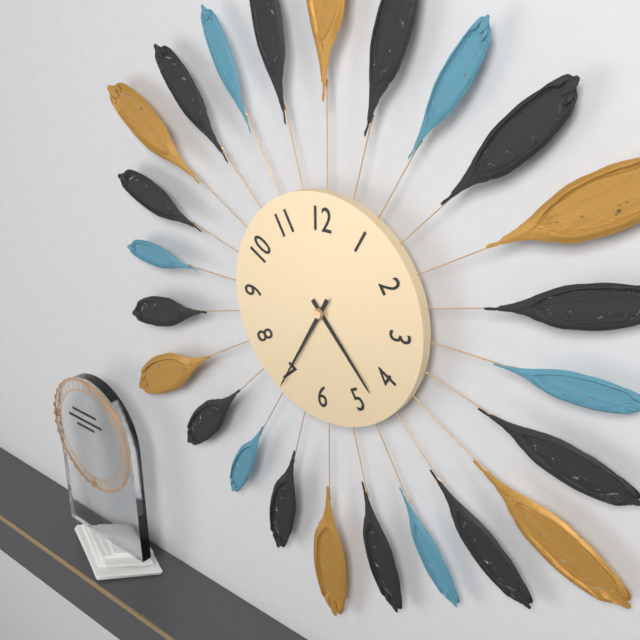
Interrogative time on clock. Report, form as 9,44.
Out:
4,35
